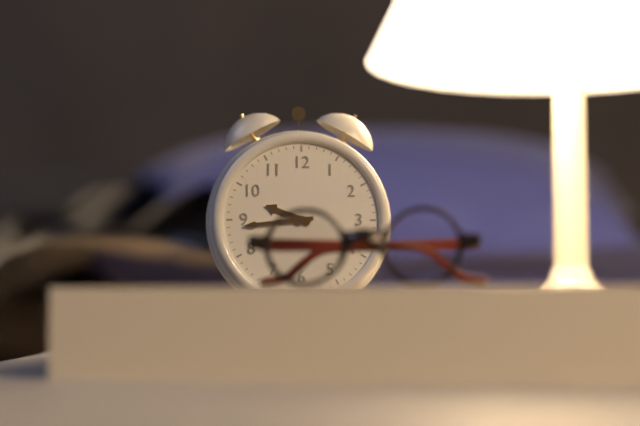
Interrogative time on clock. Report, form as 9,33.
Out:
9,44
